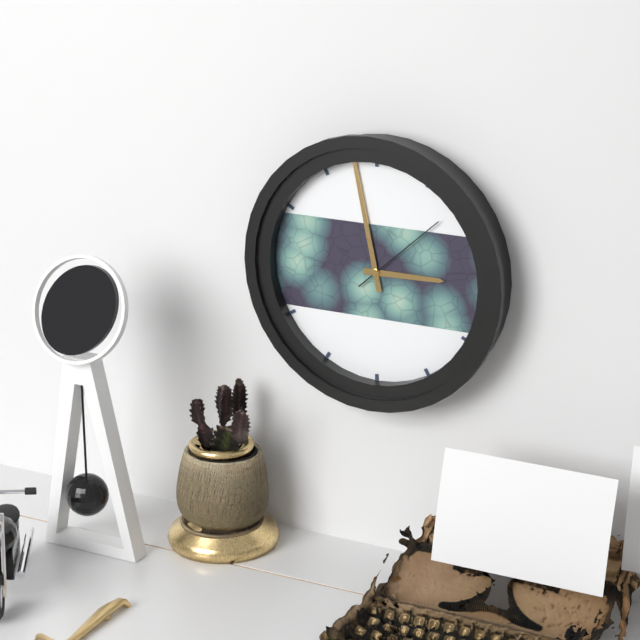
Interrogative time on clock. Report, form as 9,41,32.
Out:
2,58,08
